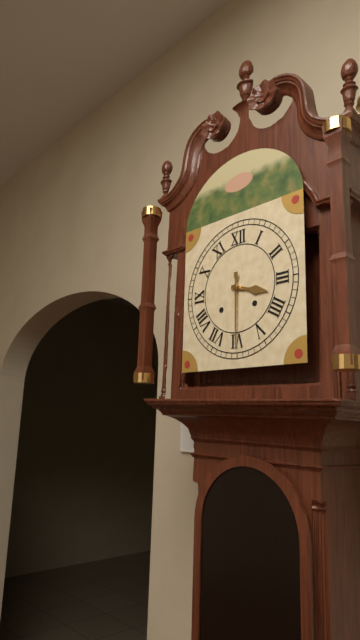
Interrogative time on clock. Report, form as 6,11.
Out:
3,30
